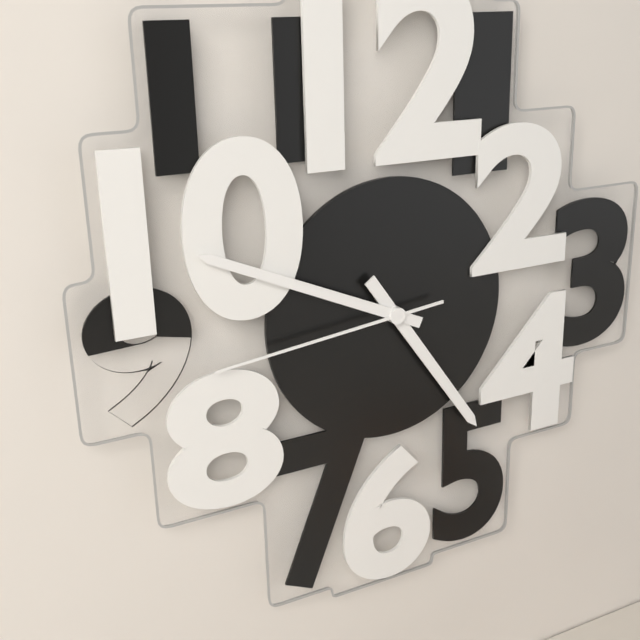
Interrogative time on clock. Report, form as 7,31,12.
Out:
4,49,44
